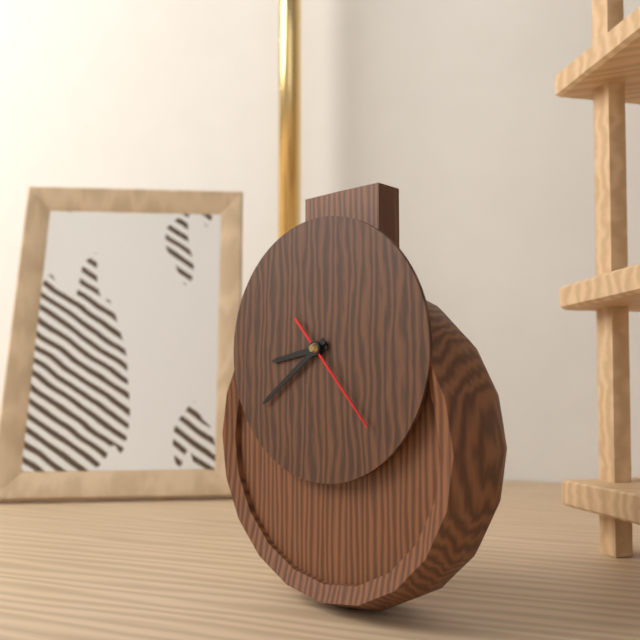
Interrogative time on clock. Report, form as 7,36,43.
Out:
8,39,23
